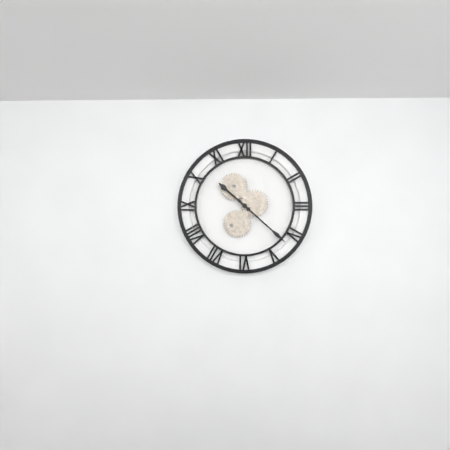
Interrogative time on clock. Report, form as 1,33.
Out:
10,22
